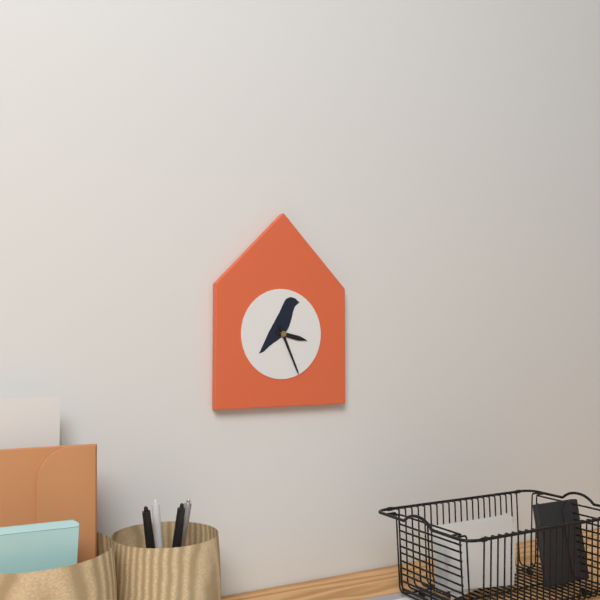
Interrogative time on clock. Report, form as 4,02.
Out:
3,26
